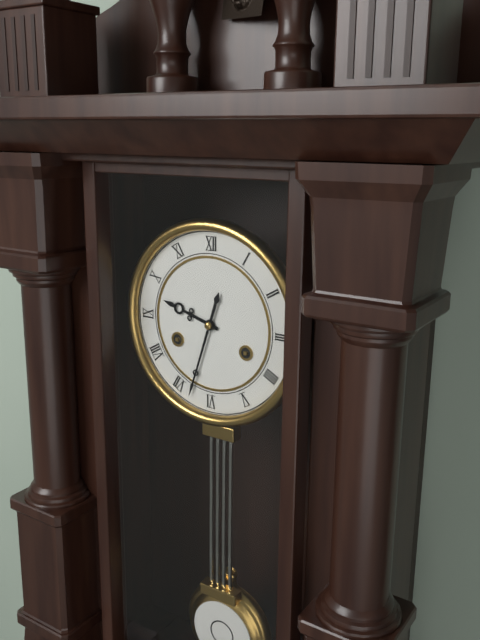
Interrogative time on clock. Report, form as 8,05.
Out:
9,33
